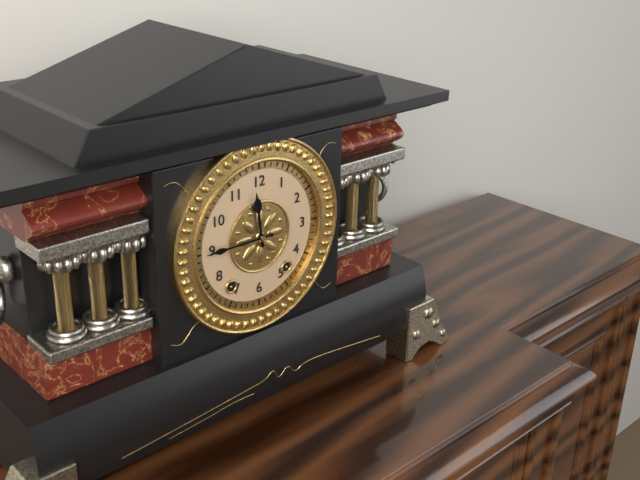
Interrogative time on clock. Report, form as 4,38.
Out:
11,45
